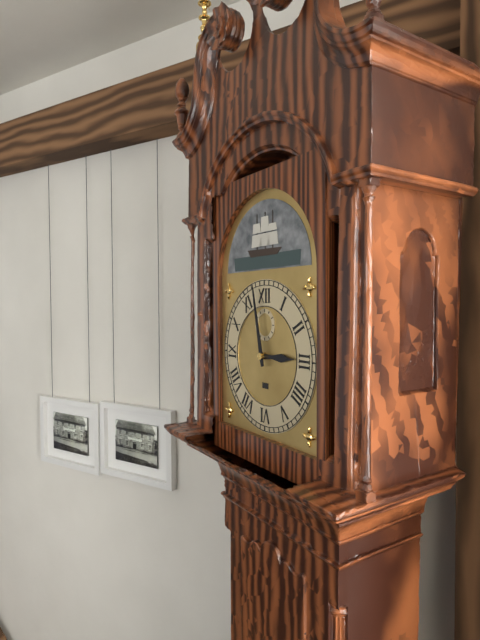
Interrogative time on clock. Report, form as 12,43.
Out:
2,58
